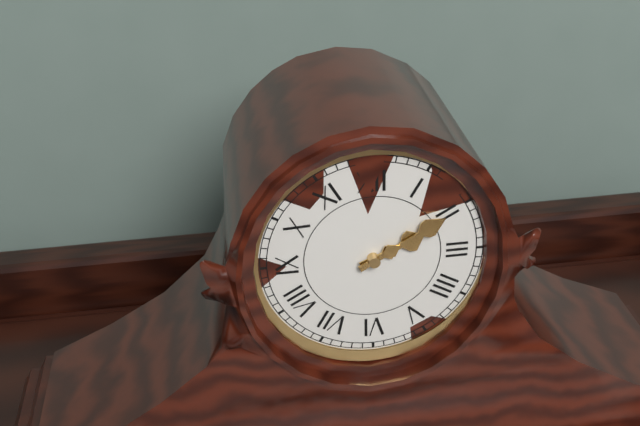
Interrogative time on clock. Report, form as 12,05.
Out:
2,10
